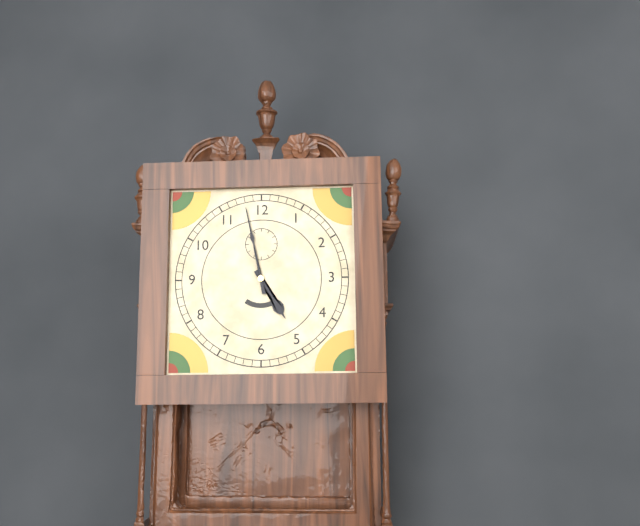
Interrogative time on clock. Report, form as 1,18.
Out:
4,58
